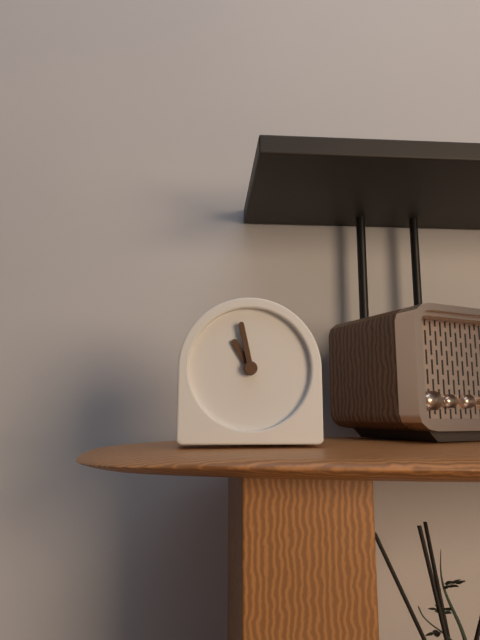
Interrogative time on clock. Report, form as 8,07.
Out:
10,58
